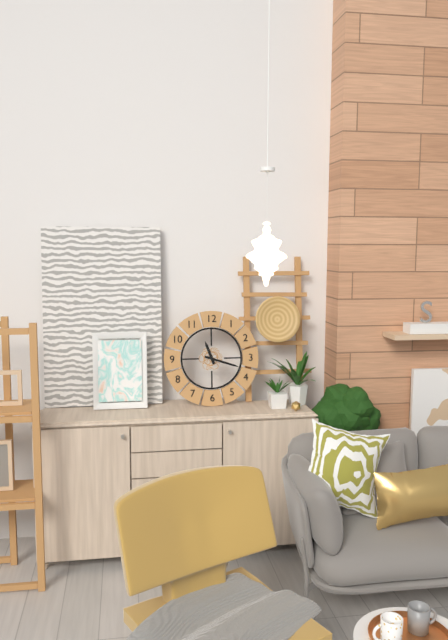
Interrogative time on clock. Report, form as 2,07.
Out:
11,18
